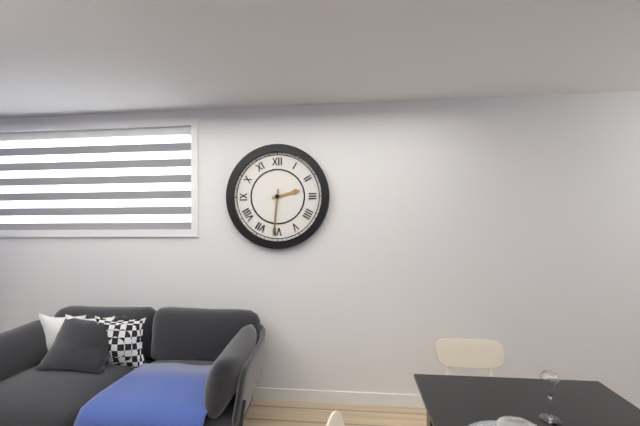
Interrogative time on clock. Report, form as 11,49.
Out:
2,31
